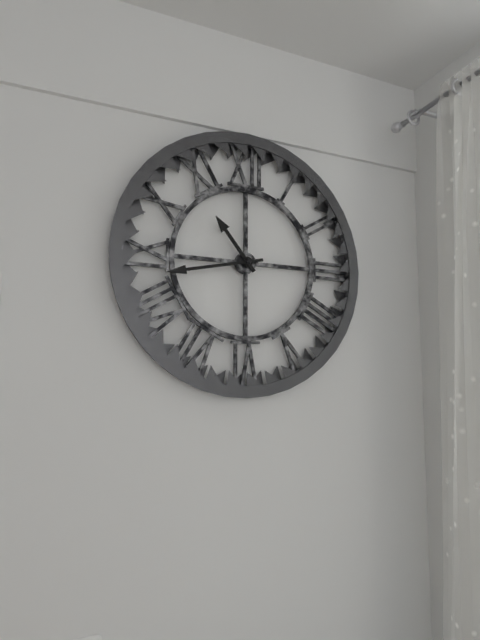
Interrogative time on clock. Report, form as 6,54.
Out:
10,43
